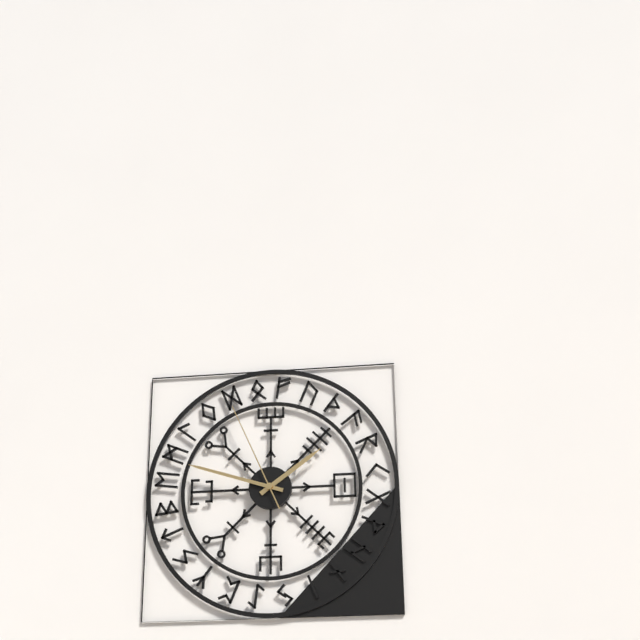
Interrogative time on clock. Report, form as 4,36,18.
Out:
1,48,56
